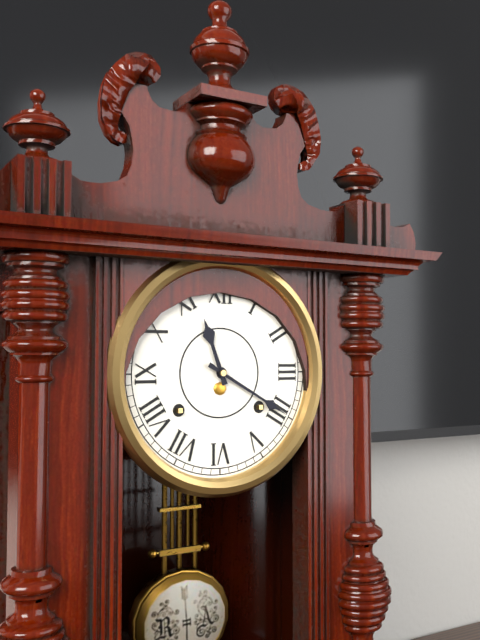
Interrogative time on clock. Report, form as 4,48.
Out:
11,20
